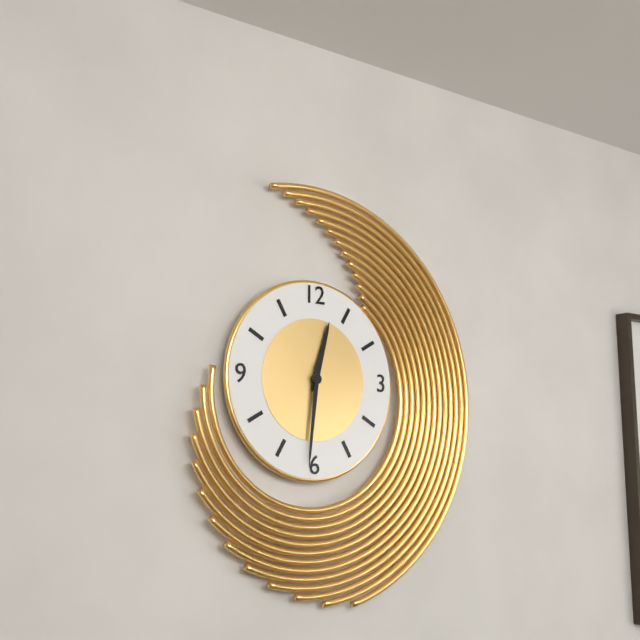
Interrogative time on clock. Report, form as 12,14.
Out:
12,31
